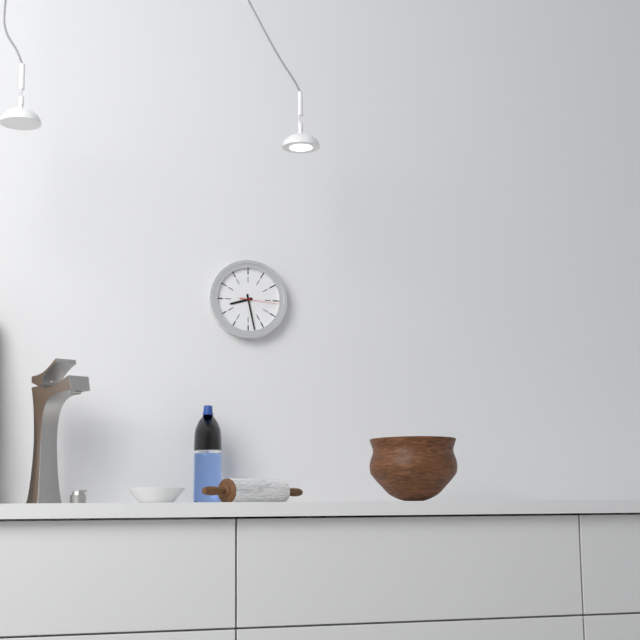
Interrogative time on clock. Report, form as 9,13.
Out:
8,28
